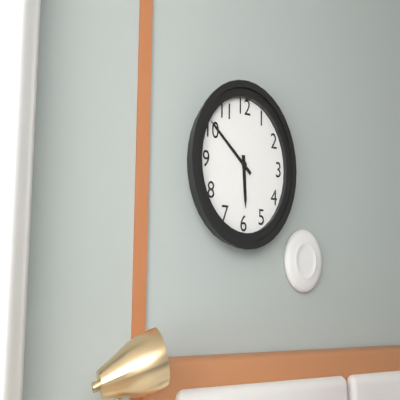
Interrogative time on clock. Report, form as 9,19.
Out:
5,51
